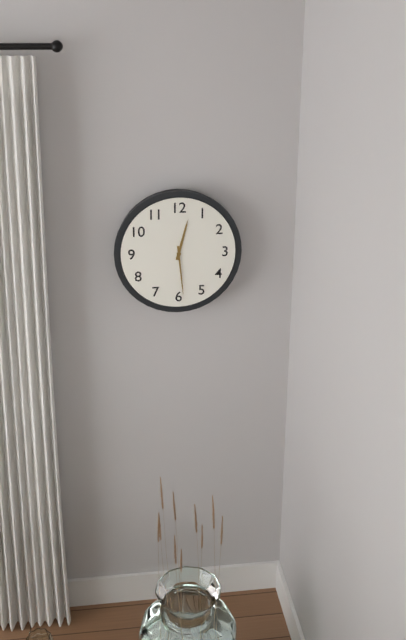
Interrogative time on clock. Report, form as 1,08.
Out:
12,29
